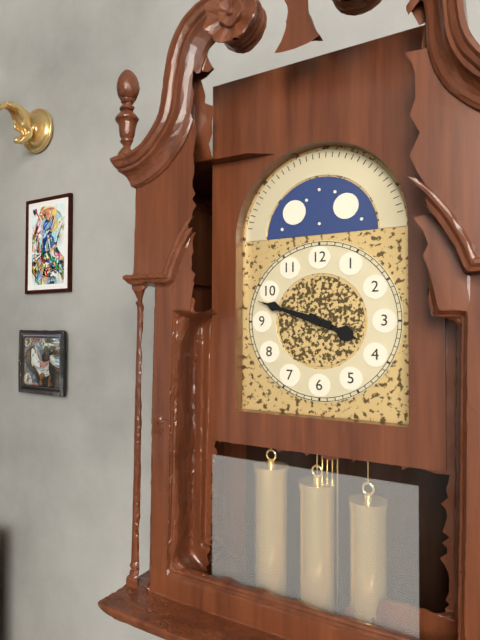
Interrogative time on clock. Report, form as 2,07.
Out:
3,48
